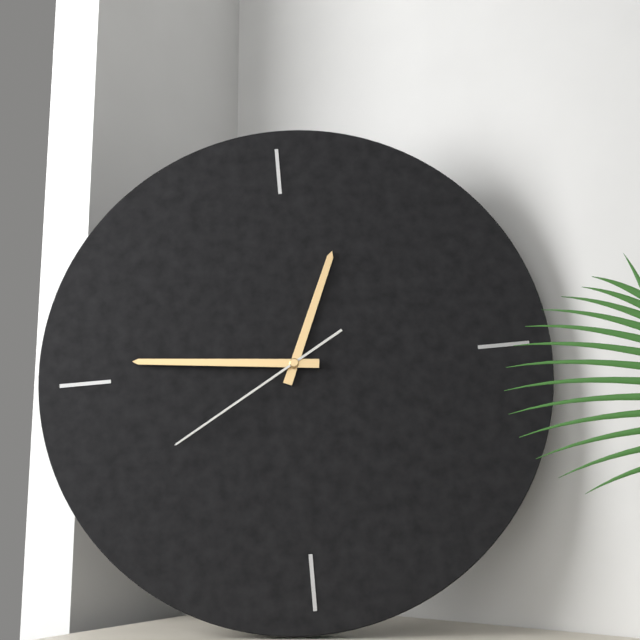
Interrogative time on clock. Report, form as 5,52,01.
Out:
12,46,40
